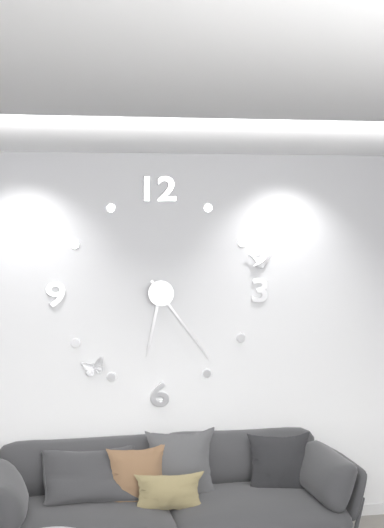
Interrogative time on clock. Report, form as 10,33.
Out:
6,24
